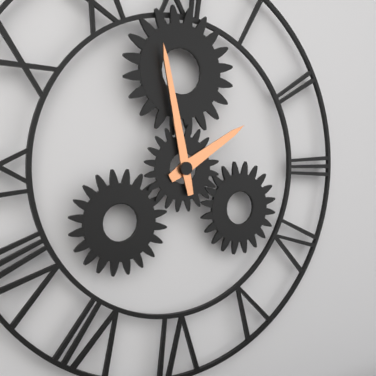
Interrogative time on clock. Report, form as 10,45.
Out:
1,58
